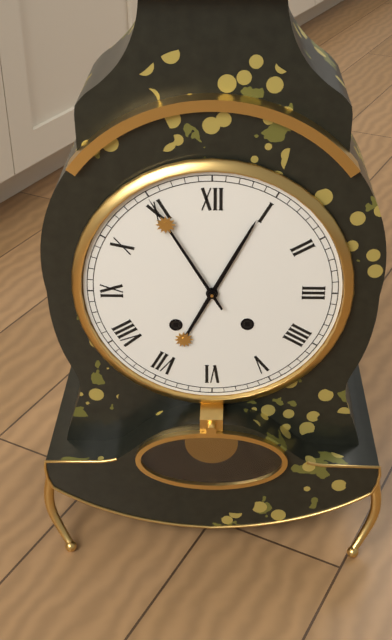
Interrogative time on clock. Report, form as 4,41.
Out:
12,55
